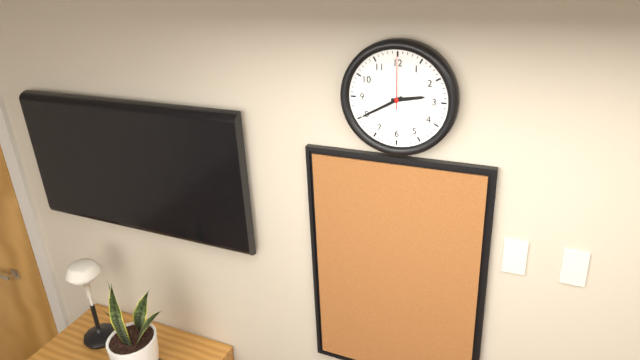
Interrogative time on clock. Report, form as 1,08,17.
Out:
2,40,00
